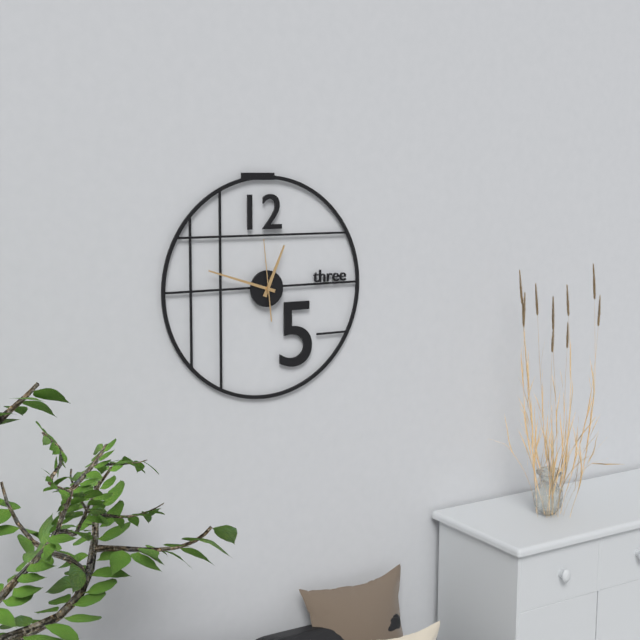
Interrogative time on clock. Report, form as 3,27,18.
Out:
12,48,59
